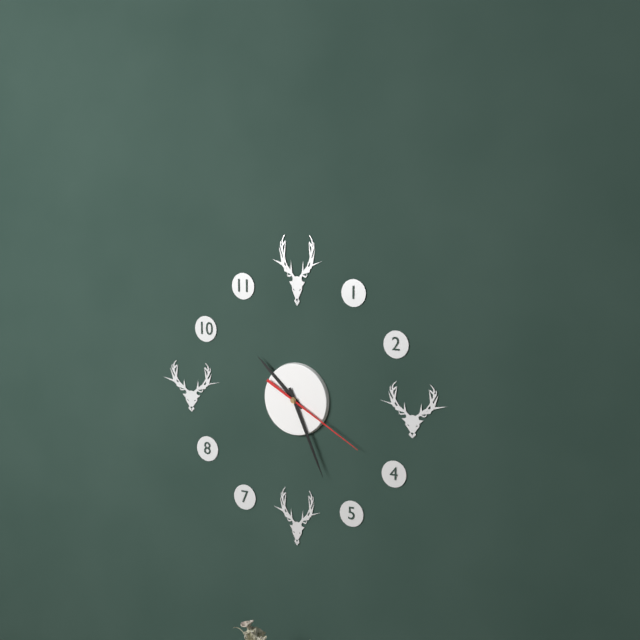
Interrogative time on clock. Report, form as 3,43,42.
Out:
10,26,20
